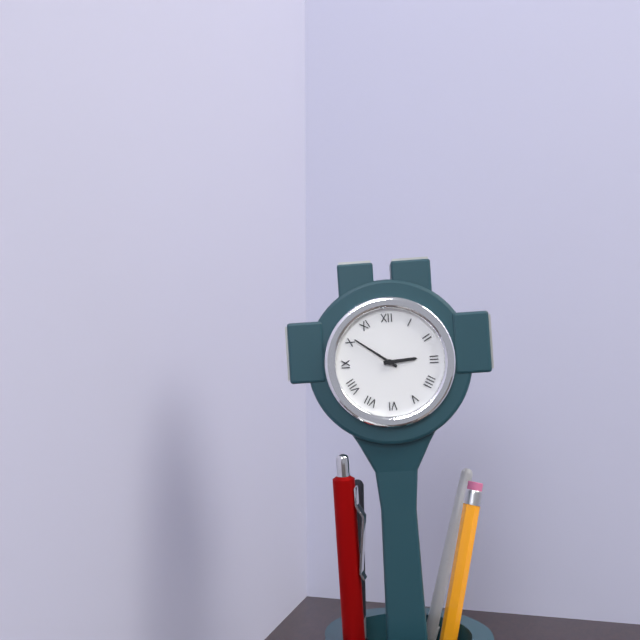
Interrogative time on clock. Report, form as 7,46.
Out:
2,51
